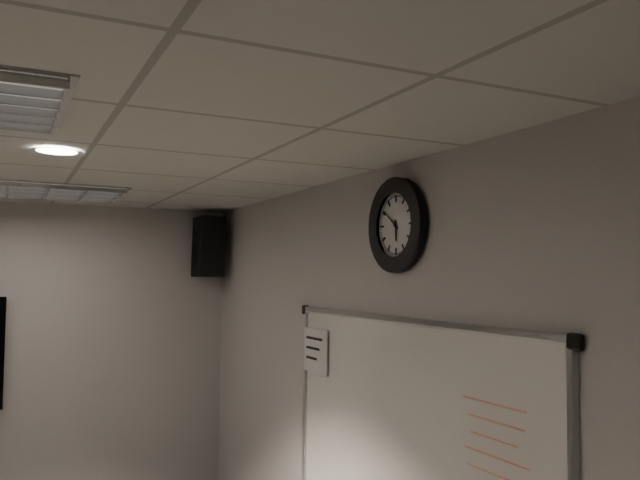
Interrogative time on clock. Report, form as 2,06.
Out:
5,51
